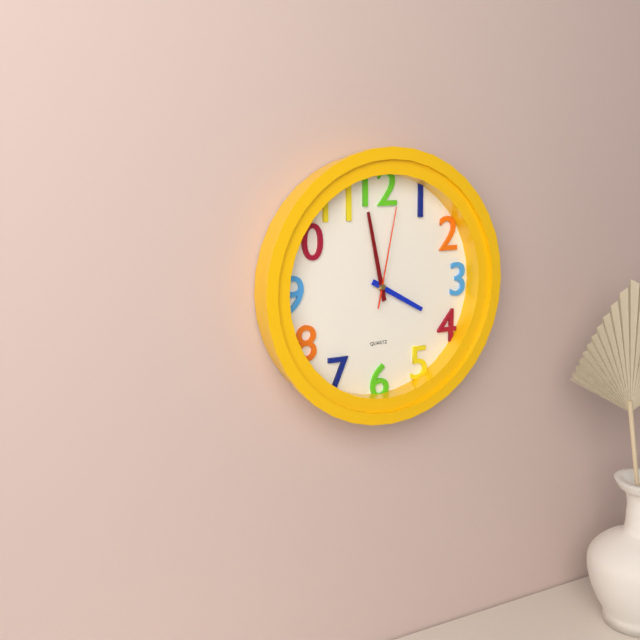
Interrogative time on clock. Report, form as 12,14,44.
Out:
3,58,02
